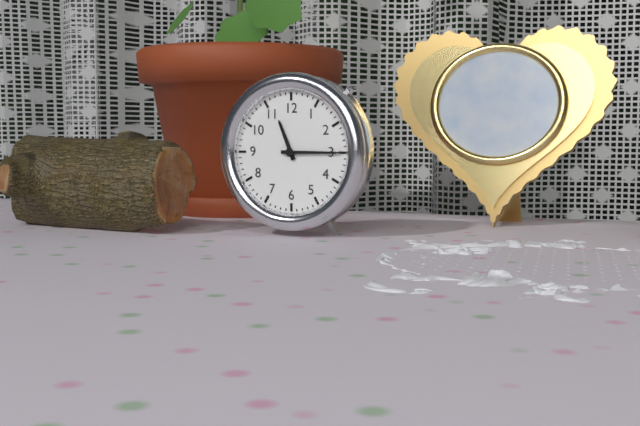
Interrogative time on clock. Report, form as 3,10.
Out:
11,15
